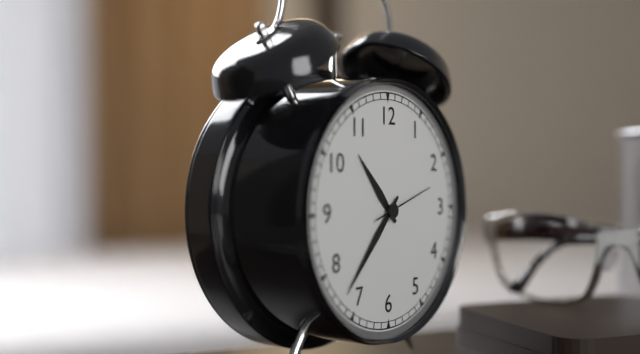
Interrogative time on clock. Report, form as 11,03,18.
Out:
10,37,12
